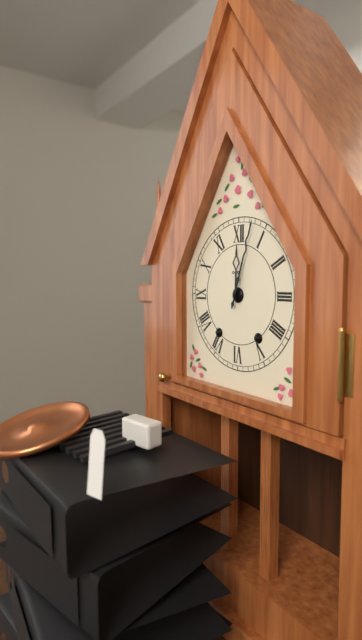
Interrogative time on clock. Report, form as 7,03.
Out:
12,03
